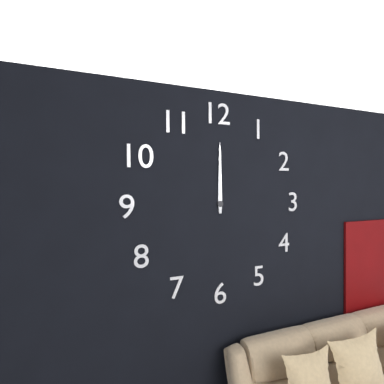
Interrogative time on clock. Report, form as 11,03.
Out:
12,00
